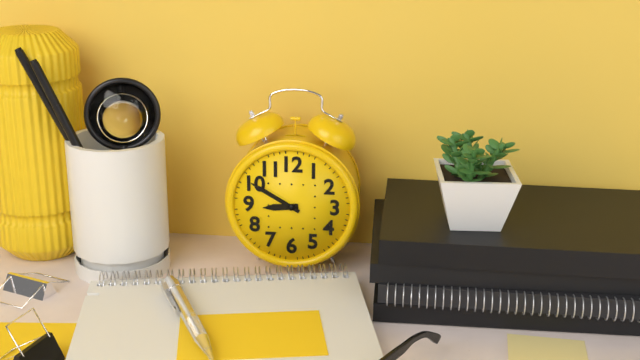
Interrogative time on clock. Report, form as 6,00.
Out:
8,50
